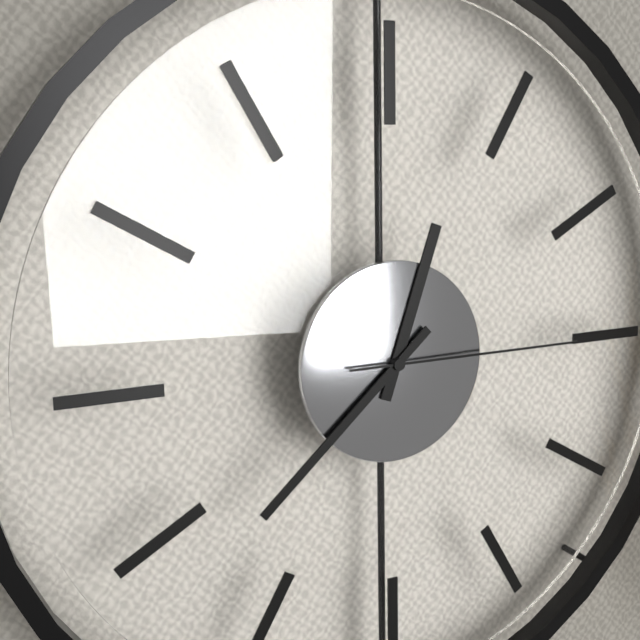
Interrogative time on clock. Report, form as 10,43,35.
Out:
12,38,15
